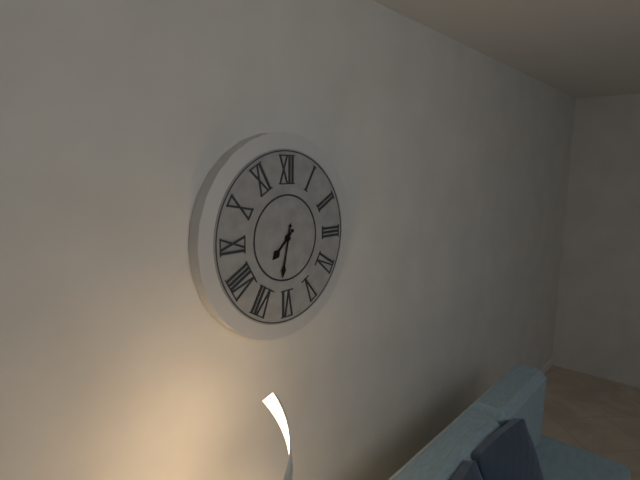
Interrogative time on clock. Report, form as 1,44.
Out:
7,32
